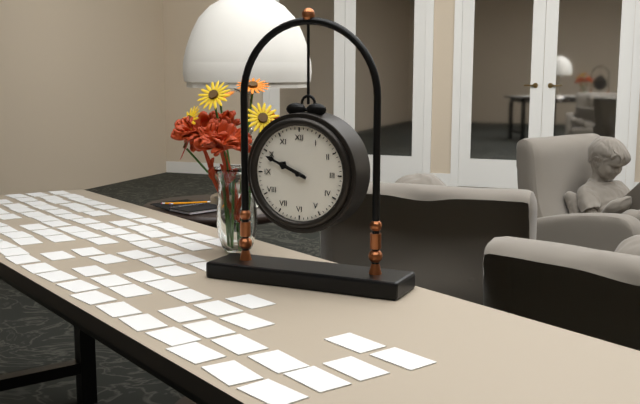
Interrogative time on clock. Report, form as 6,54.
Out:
9,49
